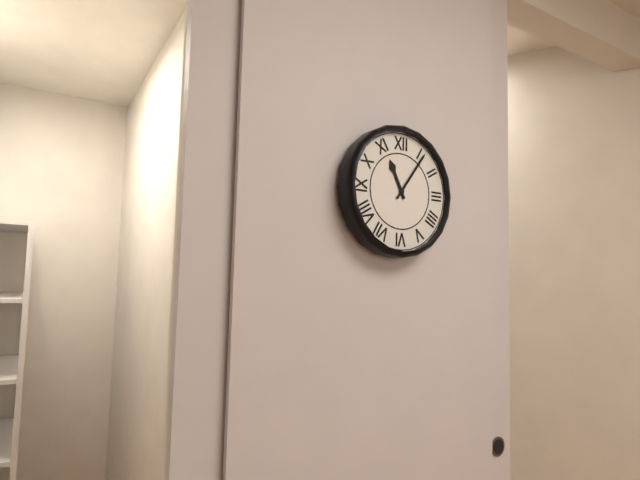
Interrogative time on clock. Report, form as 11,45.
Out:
11,06
